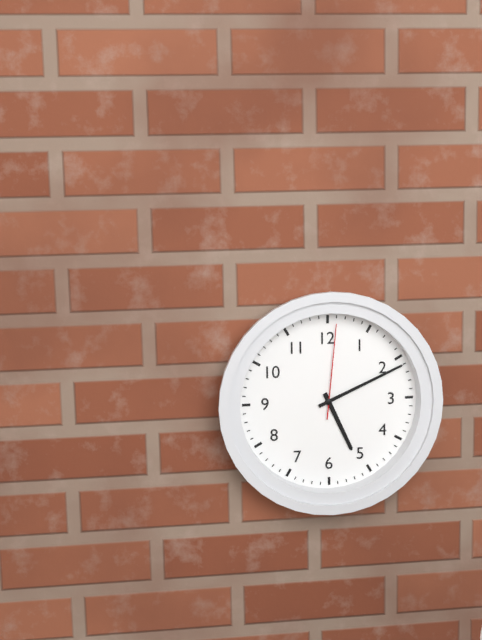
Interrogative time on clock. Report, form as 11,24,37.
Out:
5,11,01
